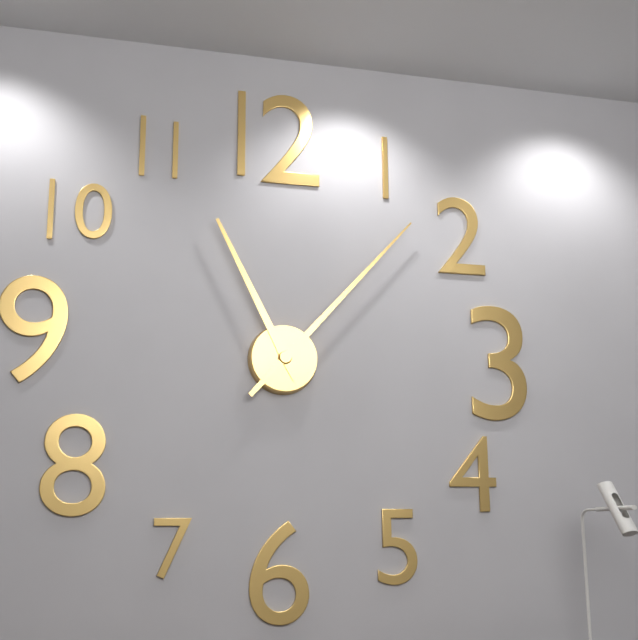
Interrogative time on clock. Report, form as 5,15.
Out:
11,07
